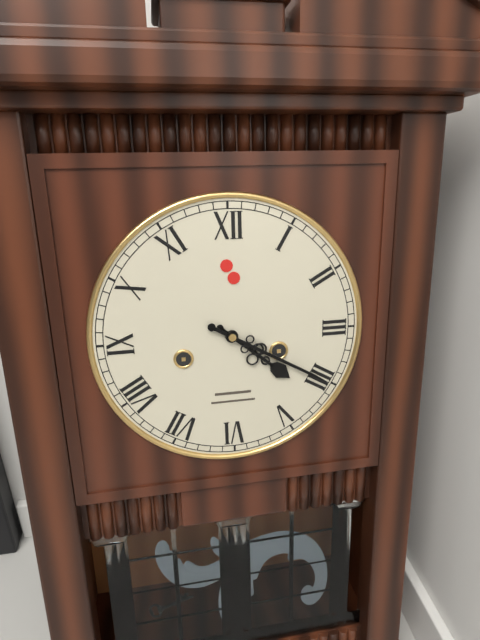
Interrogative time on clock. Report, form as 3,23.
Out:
4,20
